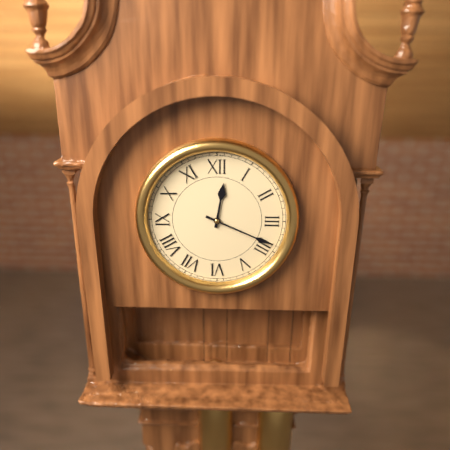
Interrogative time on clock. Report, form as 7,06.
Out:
12,19
